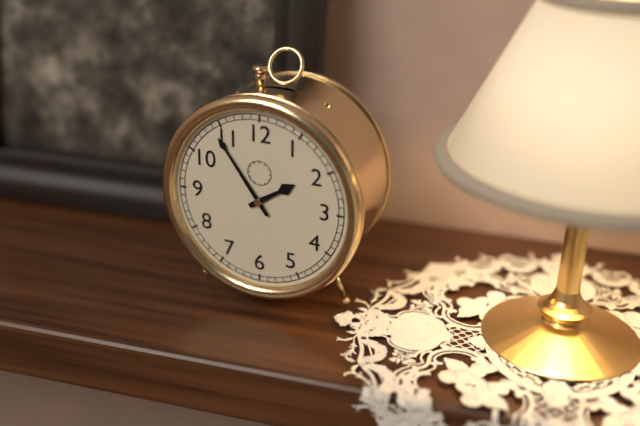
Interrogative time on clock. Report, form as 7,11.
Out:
1,54
